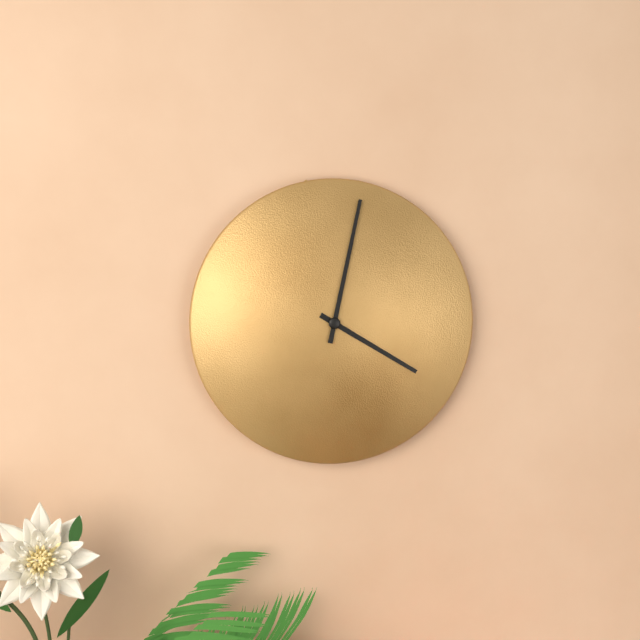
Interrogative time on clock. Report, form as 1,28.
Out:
4,02
